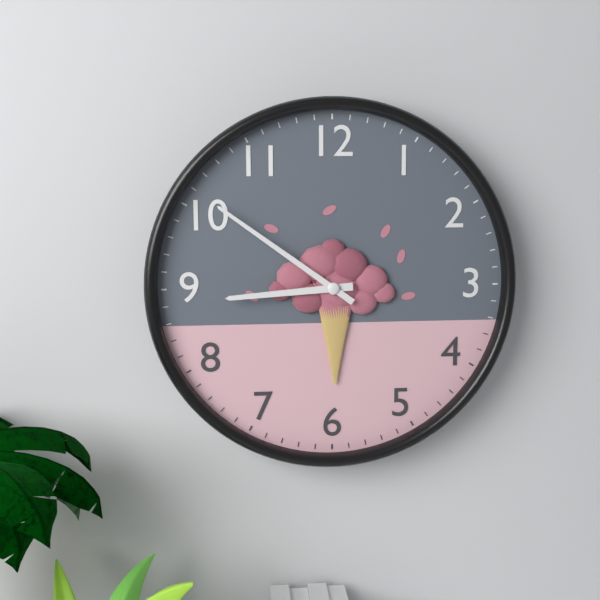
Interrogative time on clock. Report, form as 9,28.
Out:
8,51
